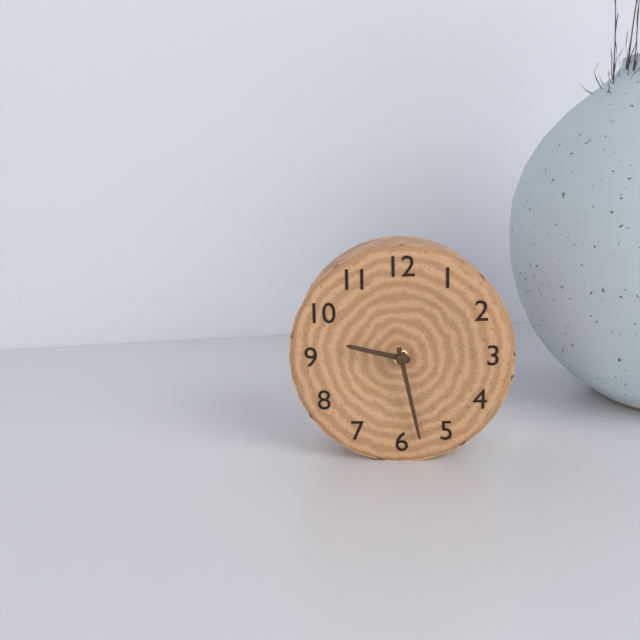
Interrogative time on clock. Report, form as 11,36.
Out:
9,28
